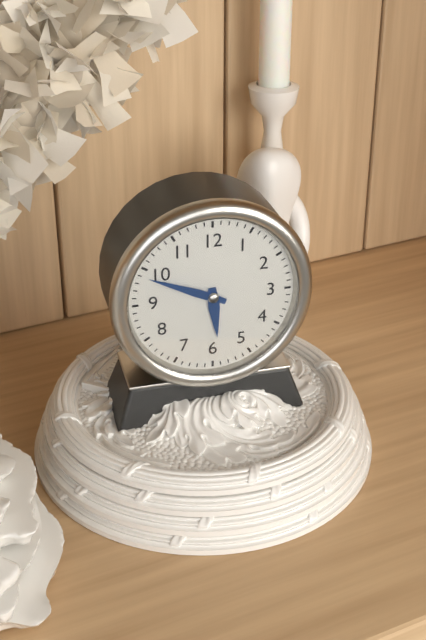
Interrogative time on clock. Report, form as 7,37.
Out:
5,49
